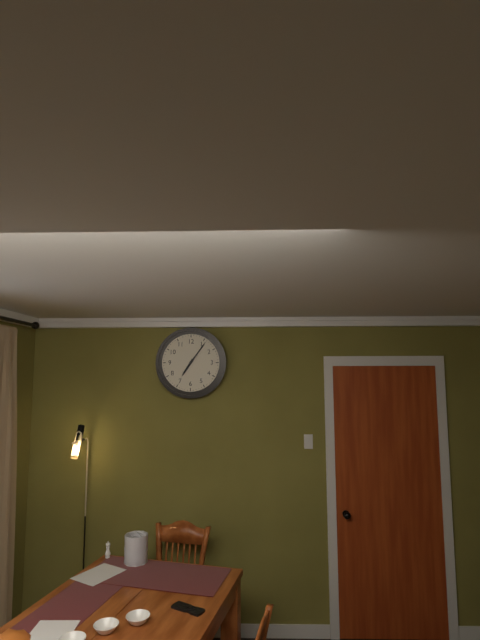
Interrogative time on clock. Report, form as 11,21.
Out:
7,06
